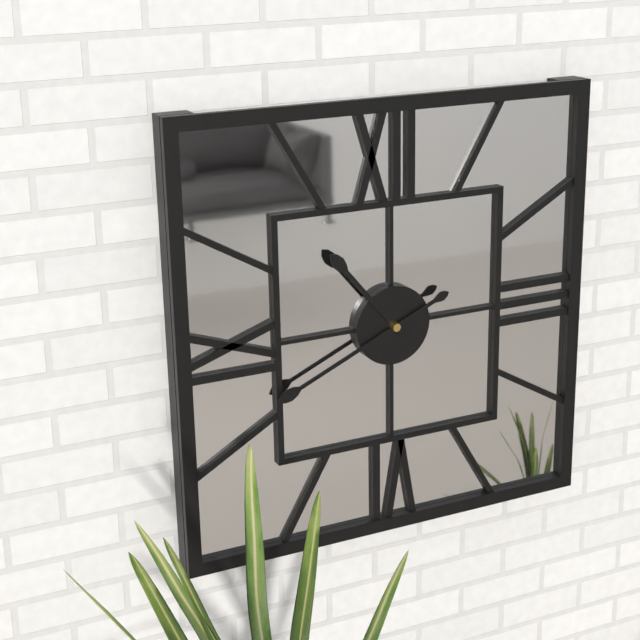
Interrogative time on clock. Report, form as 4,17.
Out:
10,41
